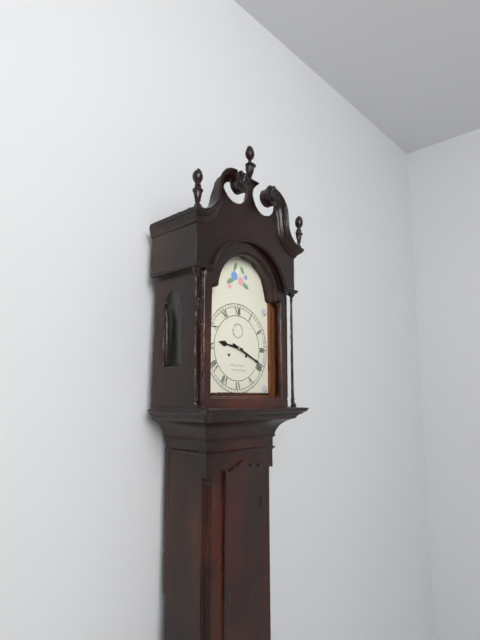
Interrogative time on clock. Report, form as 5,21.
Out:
9,19
